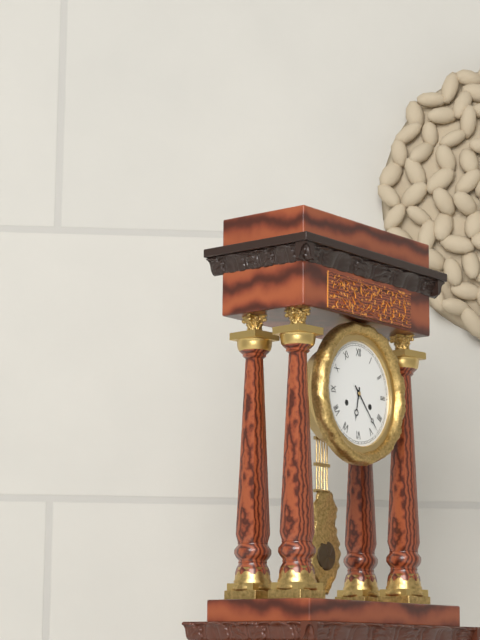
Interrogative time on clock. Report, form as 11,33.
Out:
6,23
